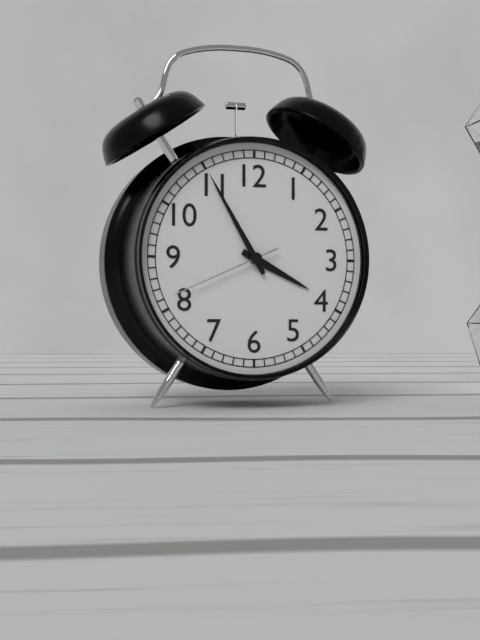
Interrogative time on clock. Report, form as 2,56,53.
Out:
3,55,41
